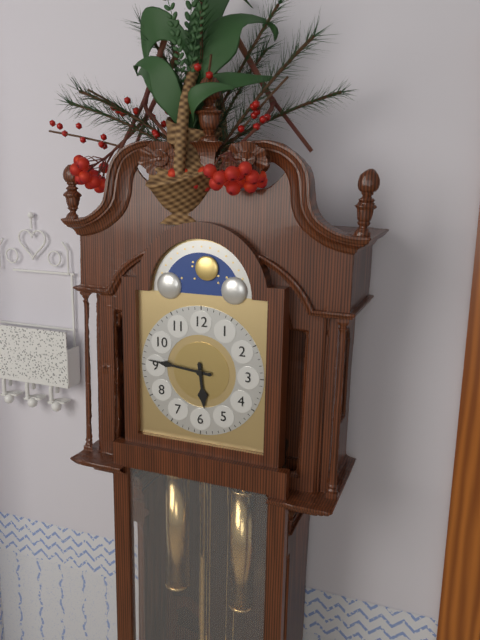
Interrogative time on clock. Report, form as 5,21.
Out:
5,46
